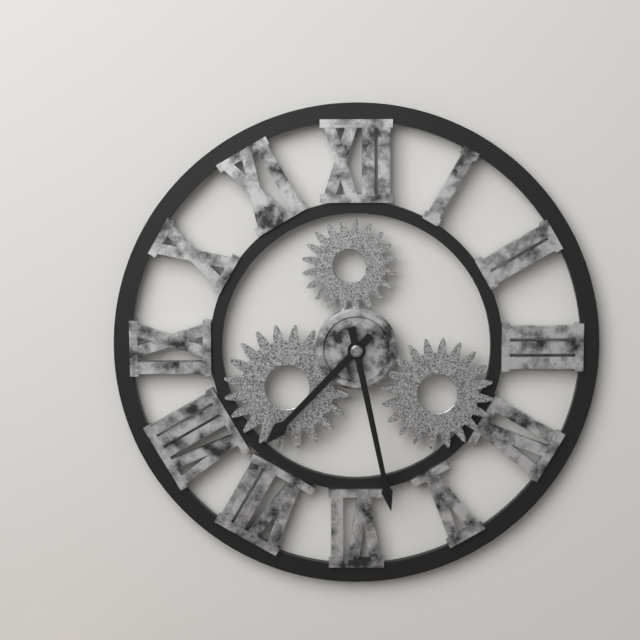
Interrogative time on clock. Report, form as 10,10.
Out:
7,28
